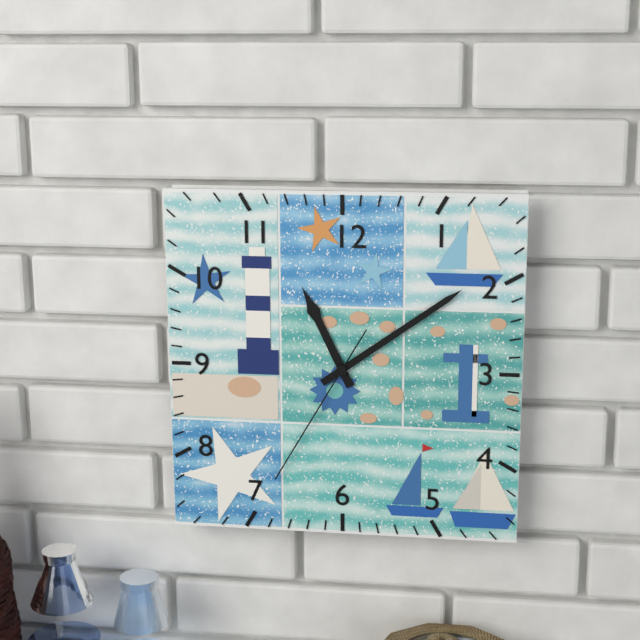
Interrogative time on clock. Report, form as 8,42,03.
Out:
11,09,35
